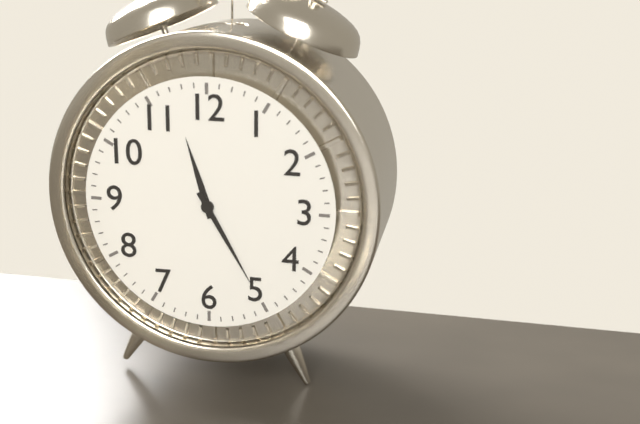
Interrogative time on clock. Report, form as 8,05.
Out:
11,25
